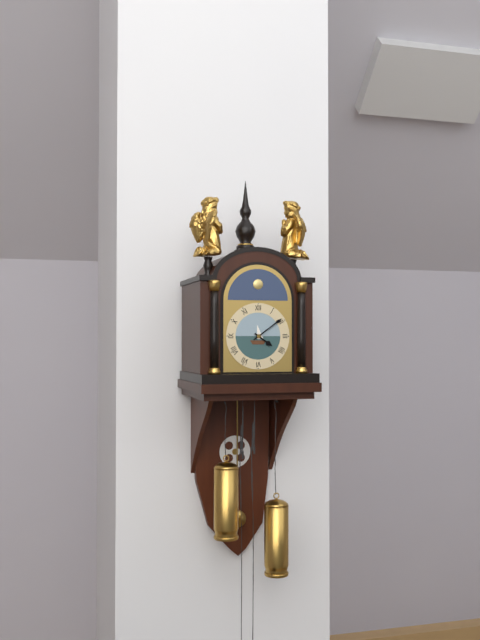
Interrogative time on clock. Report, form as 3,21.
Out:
4,09
